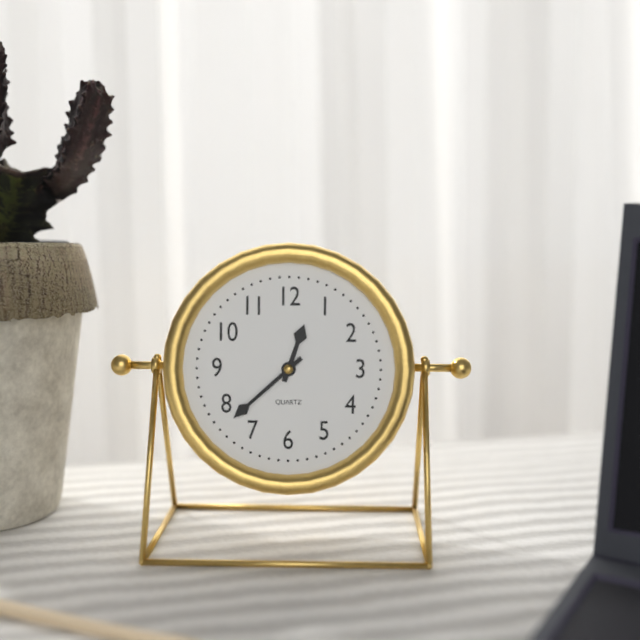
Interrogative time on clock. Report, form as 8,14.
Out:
12,38
